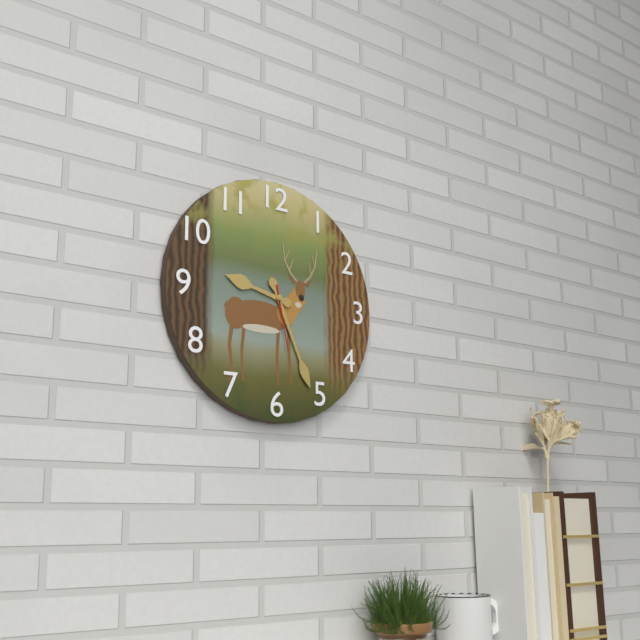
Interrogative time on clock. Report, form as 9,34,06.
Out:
9,26,28
